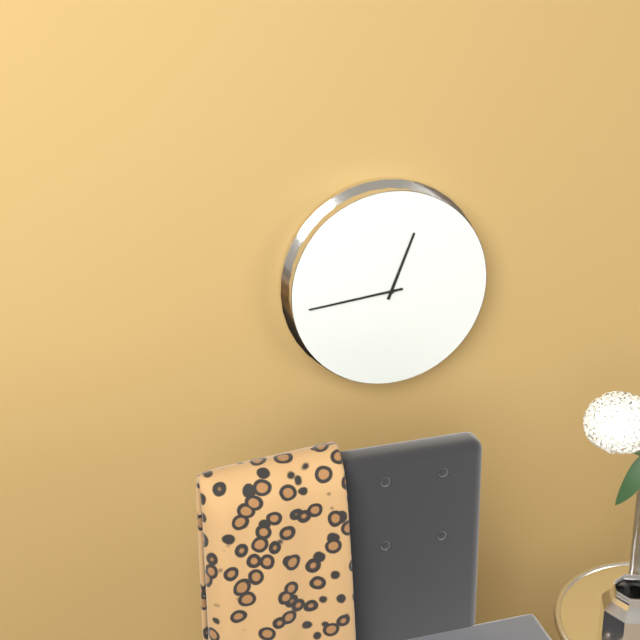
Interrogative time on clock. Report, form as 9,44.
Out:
12,44
